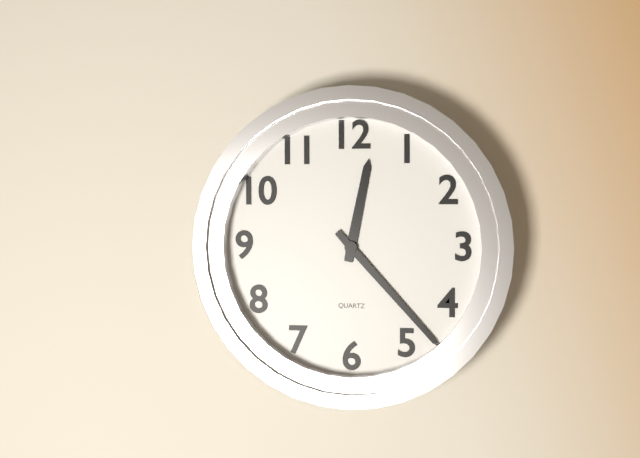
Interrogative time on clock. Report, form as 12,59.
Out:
12,23
